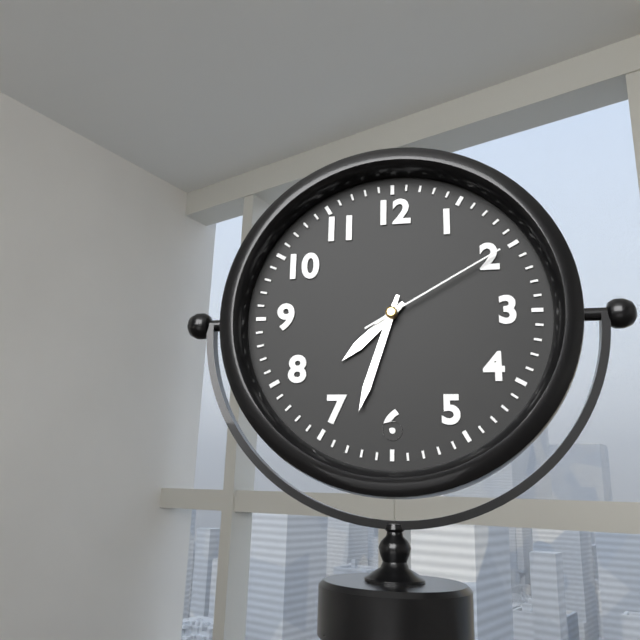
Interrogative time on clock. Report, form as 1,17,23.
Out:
7,33,10
